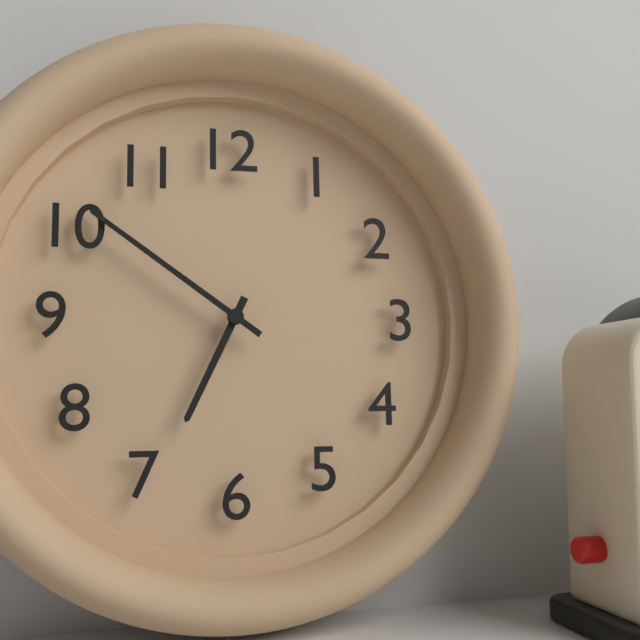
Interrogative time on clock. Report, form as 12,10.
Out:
6,51
